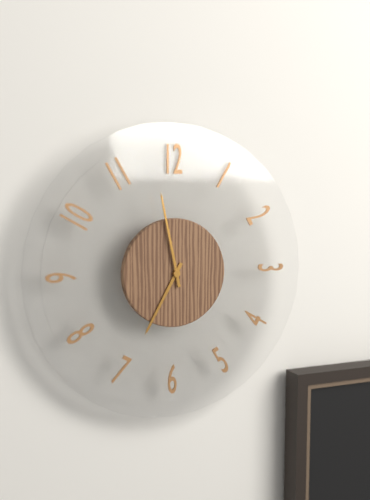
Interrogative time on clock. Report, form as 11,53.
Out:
6,58
